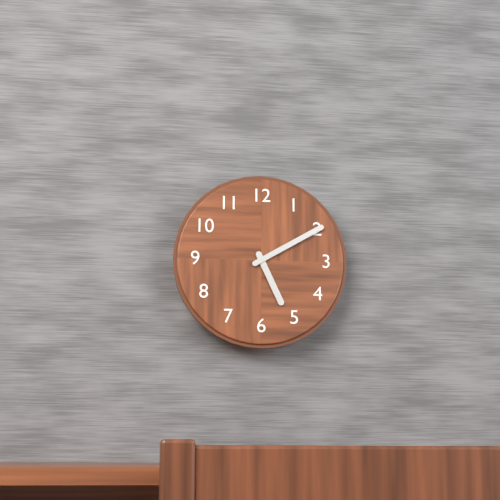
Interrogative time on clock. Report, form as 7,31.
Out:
5,10
